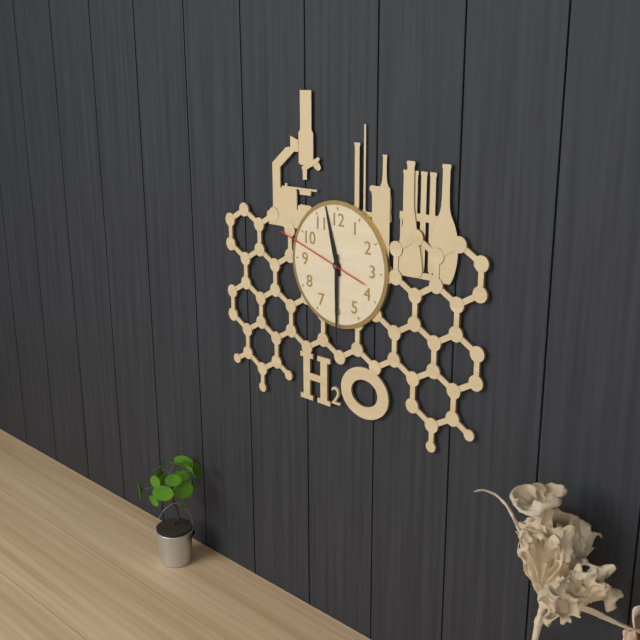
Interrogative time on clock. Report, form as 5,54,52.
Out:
11,30,48
